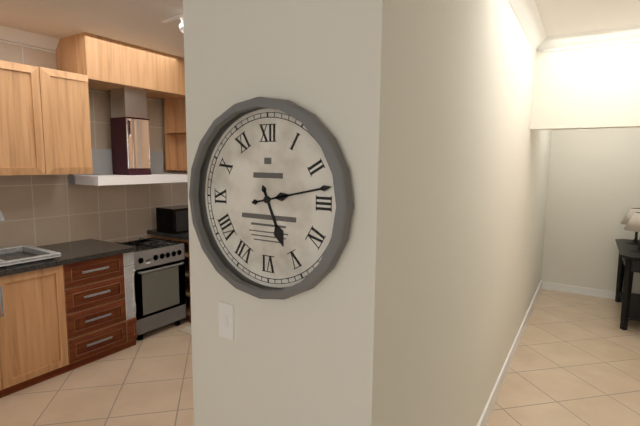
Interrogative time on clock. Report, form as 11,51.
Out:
5,13
